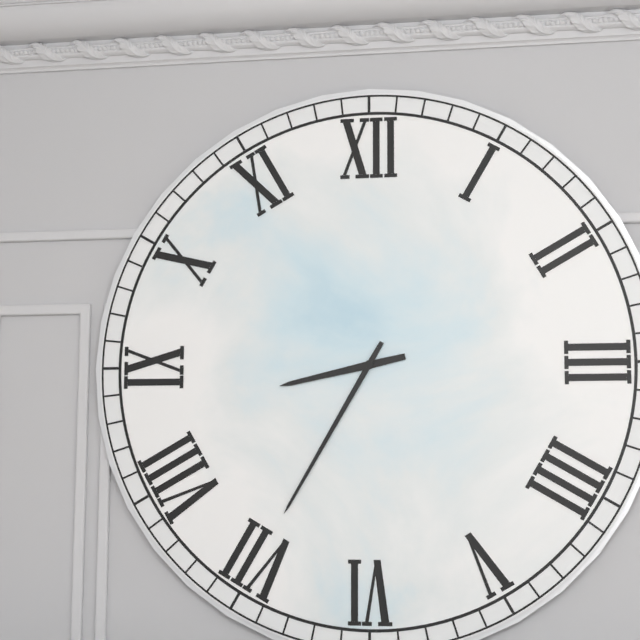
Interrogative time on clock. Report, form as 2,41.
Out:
8,35
